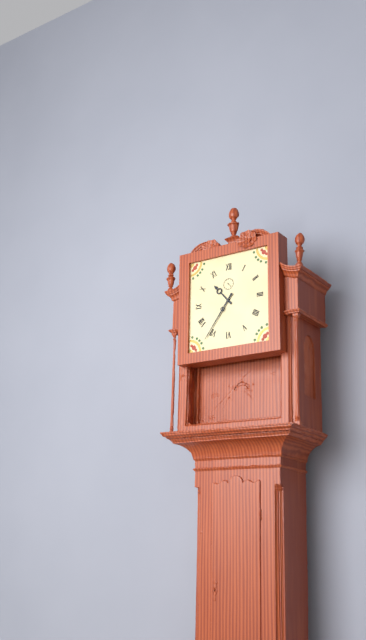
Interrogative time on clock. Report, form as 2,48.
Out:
10,36
